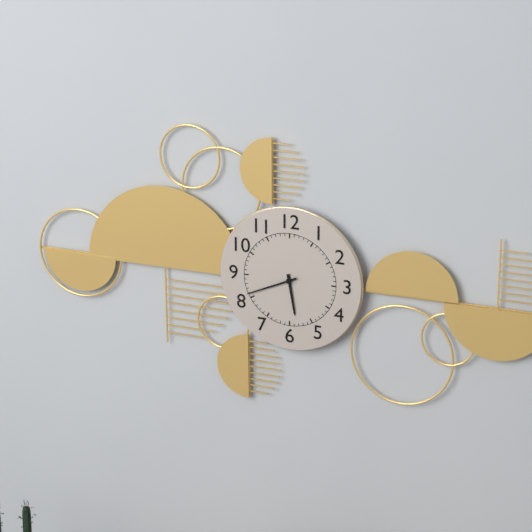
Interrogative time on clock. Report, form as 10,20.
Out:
5,41
